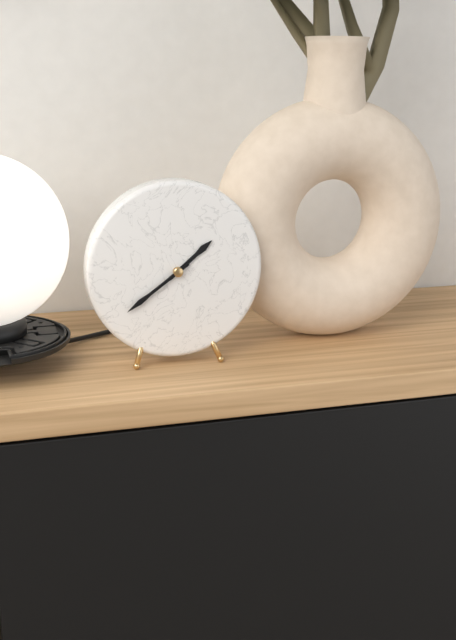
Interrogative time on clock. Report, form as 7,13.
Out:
1,39
